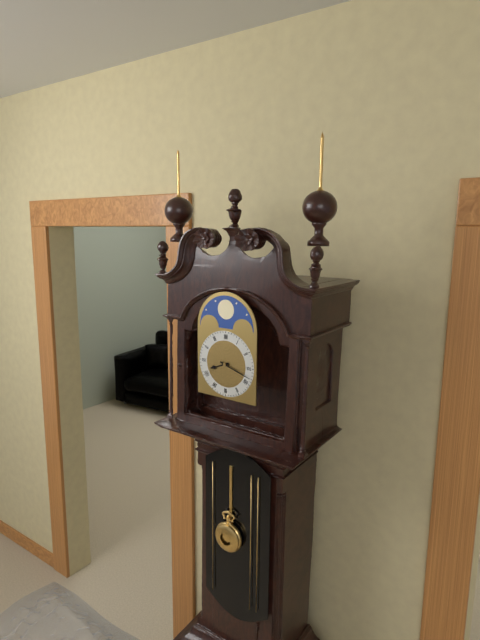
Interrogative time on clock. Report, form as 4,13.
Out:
8,18
